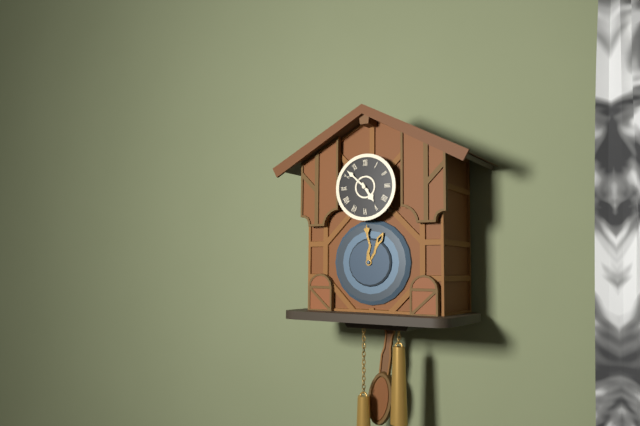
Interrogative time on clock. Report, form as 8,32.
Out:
4,52
